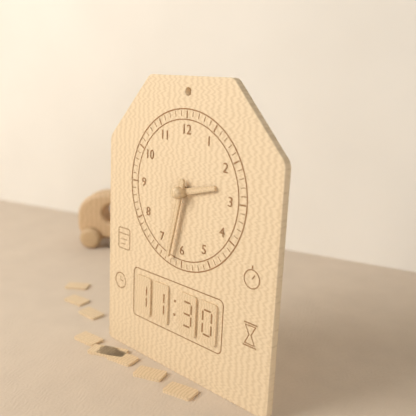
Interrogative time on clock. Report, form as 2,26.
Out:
2,32
